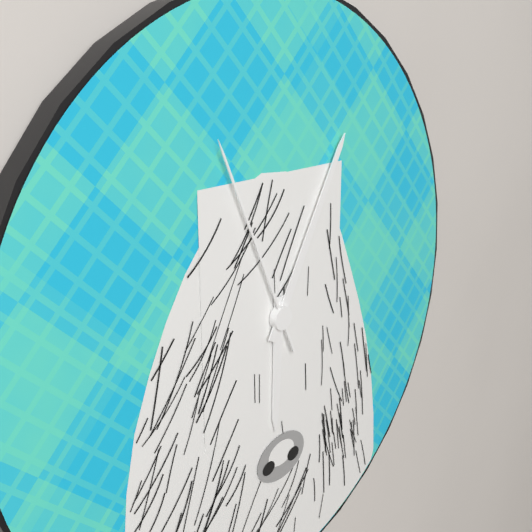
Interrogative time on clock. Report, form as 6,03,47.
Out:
6,05,56
